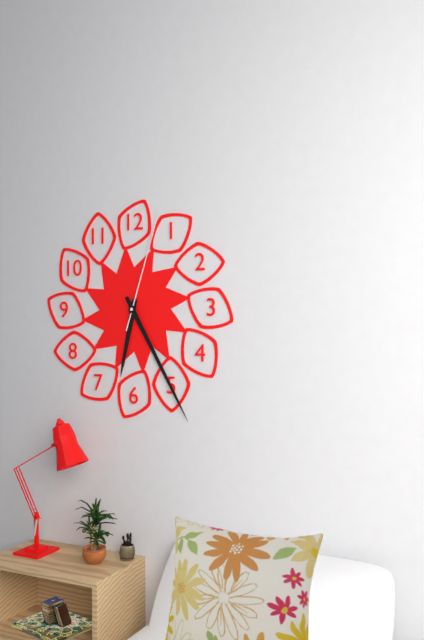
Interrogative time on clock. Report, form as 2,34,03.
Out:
6,25,03
